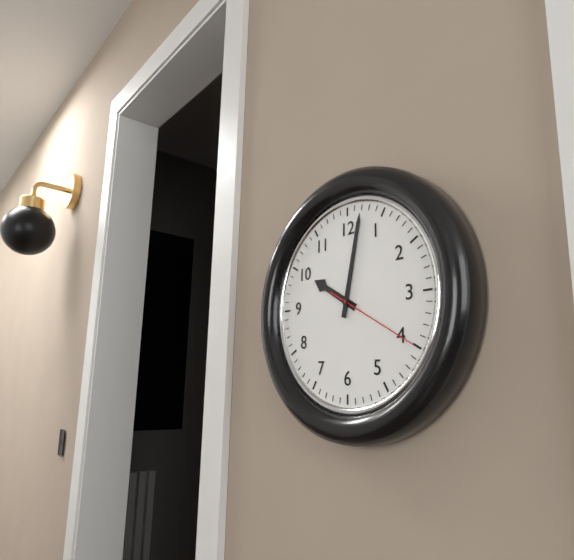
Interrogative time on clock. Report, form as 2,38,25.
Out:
10,02,20
